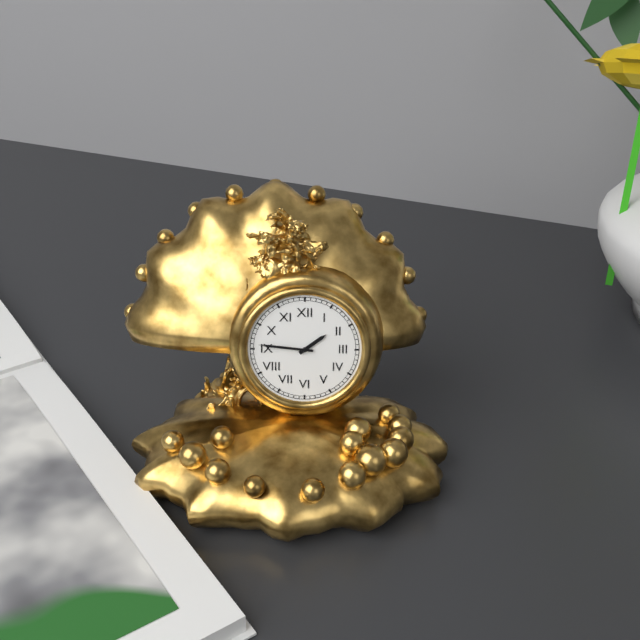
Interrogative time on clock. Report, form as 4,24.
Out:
1,46
